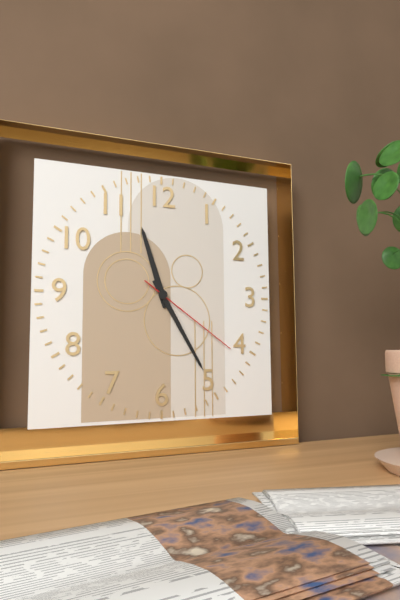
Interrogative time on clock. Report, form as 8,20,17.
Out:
11,25,21
